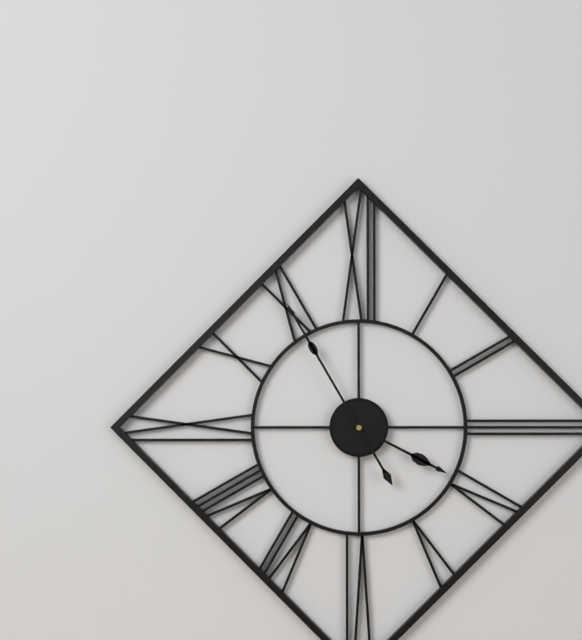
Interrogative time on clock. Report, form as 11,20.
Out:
3,55
